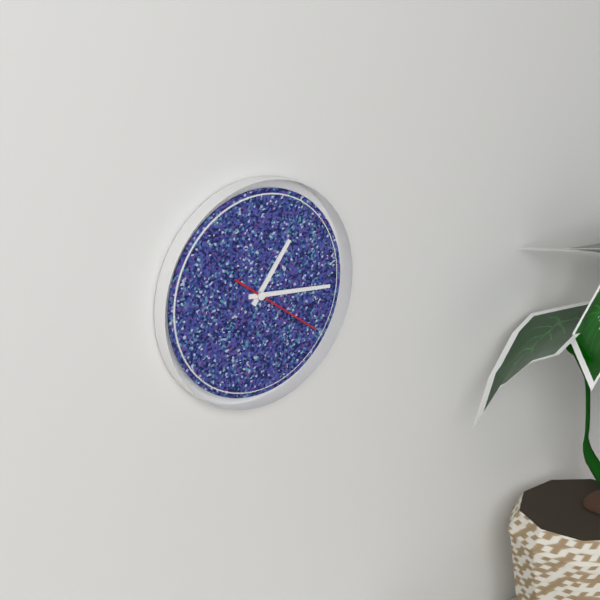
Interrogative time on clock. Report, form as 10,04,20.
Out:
1,16,21
